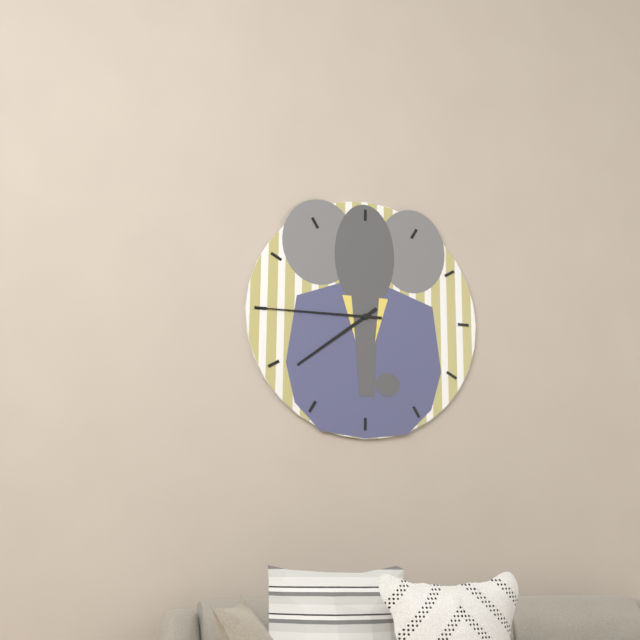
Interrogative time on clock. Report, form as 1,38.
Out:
7,45
